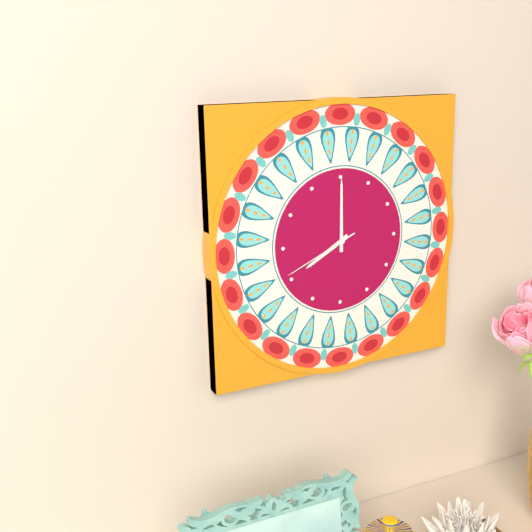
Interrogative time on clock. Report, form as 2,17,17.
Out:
8,00,41
